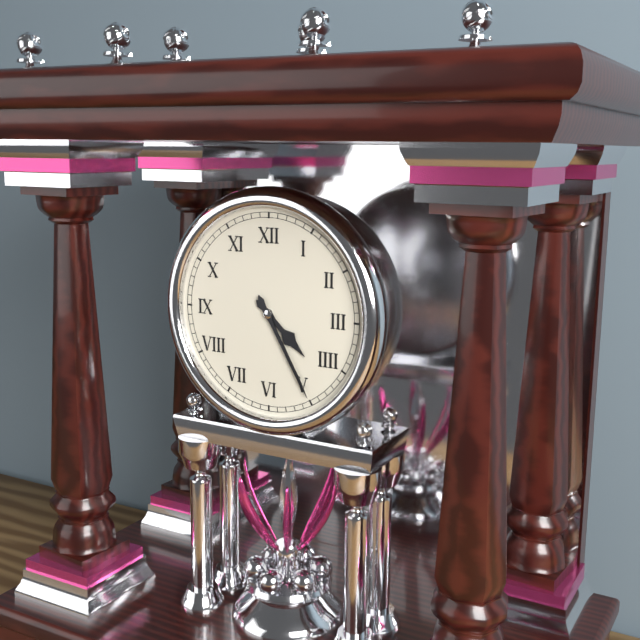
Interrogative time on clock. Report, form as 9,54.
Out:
4,25
